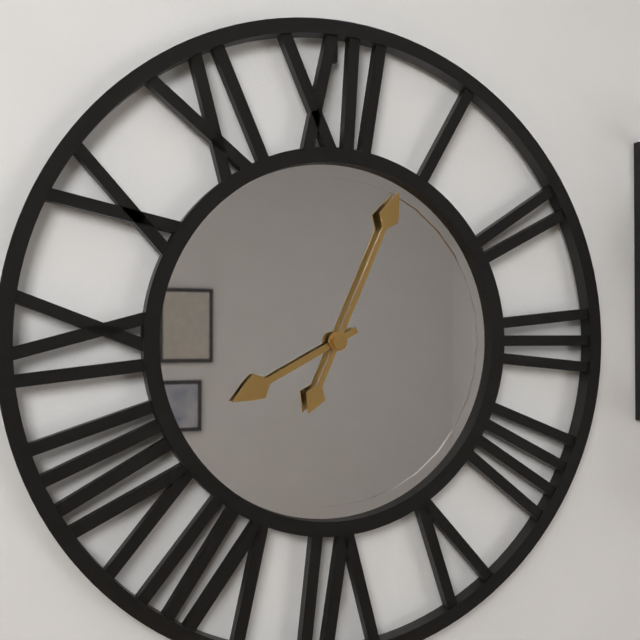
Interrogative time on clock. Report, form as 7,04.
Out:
8,04
